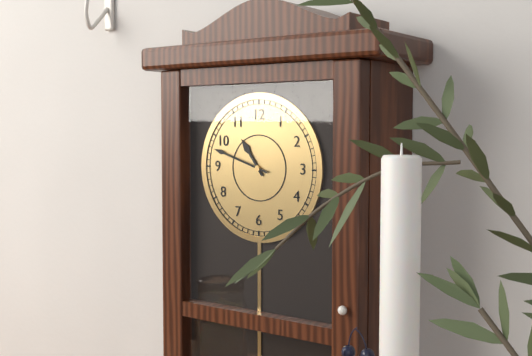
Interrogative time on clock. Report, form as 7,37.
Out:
10,48
